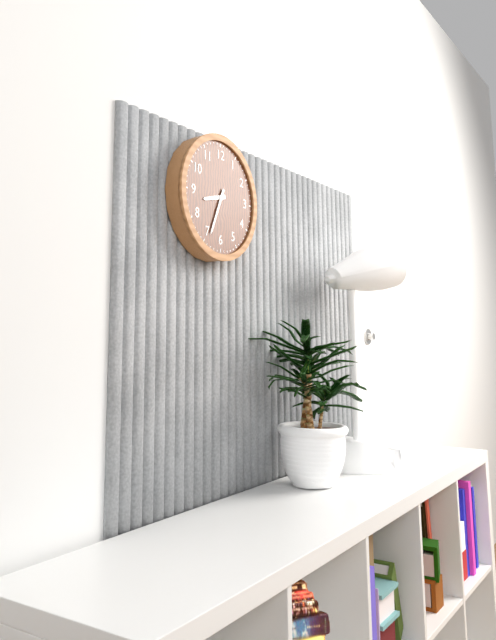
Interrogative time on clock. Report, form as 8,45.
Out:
8,34
